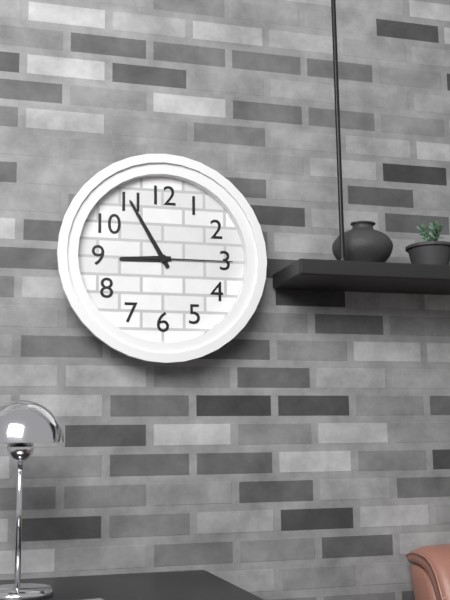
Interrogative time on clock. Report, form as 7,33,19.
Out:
8,55,15
